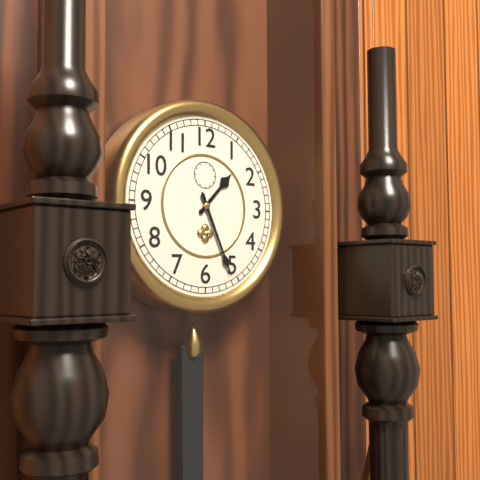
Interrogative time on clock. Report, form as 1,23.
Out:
1,26
